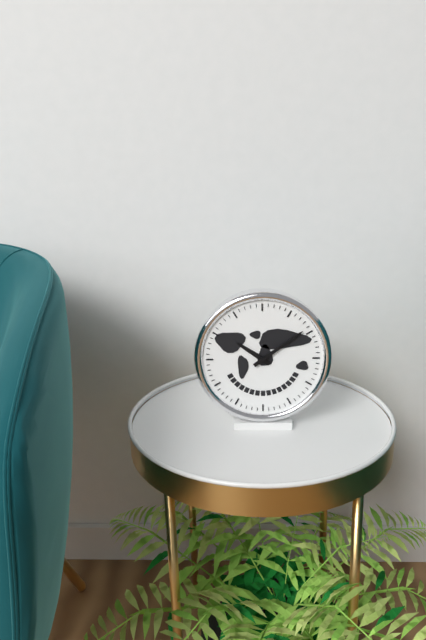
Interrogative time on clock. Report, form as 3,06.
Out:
10,09
